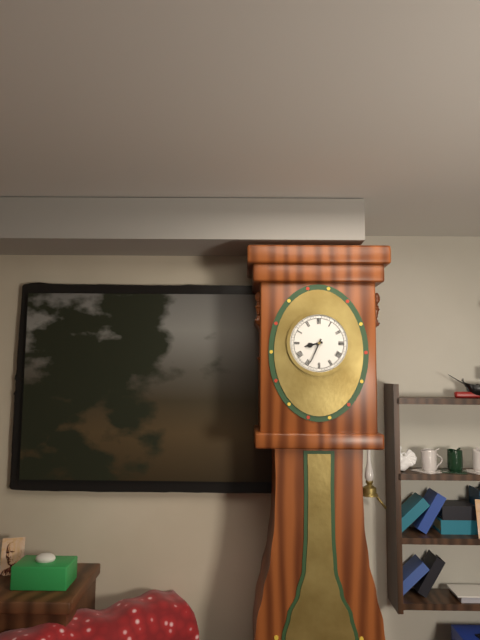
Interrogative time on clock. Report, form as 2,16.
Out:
8,34
